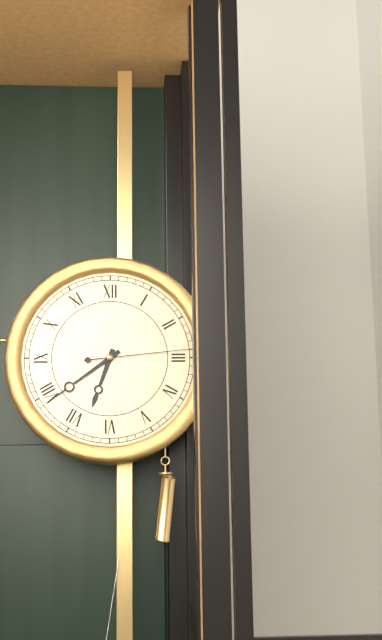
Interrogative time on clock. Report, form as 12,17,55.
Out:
6,39,14
